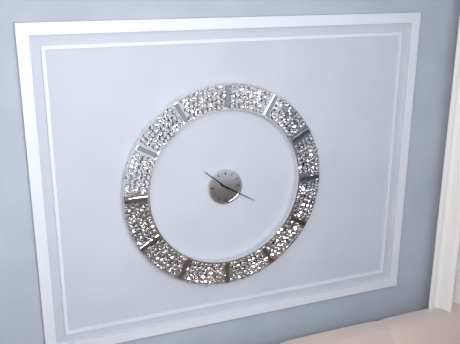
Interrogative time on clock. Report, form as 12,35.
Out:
10,20
